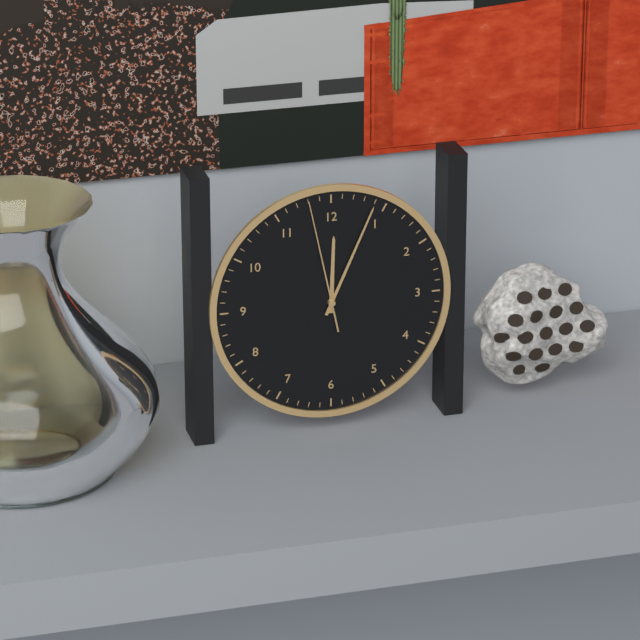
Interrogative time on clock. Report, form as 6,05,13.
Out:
12,04,58
